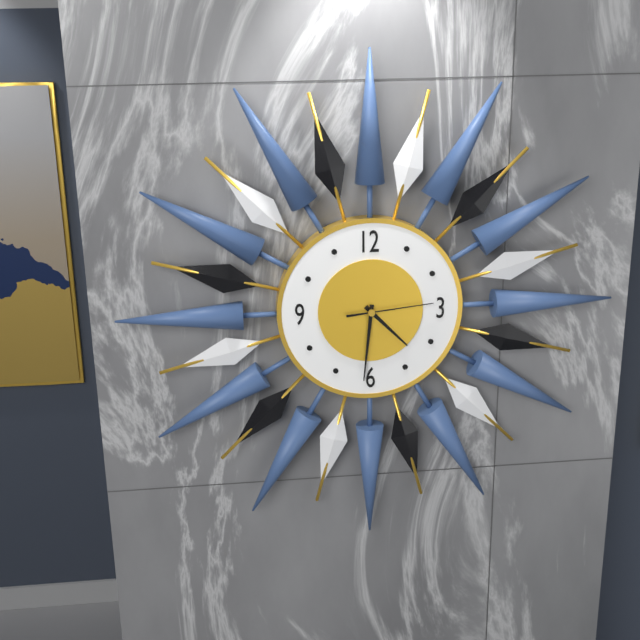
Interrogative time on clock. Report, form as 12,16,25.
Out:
4,31,14
